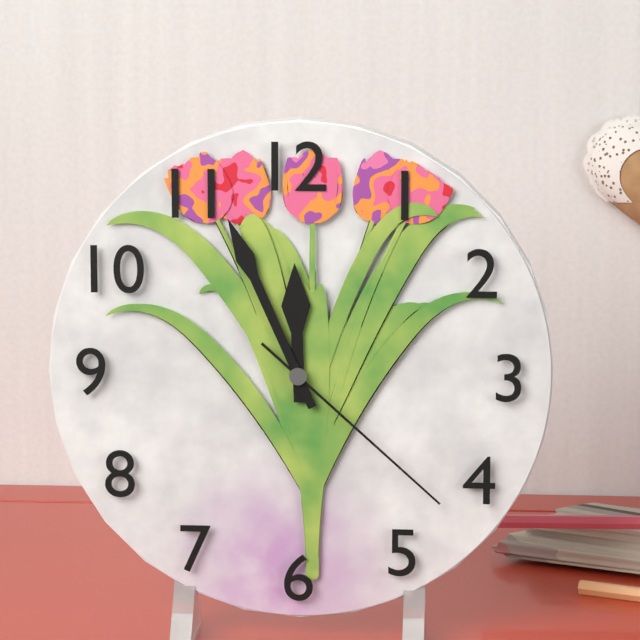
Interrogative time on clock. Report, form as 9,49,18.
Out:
11,56,22
